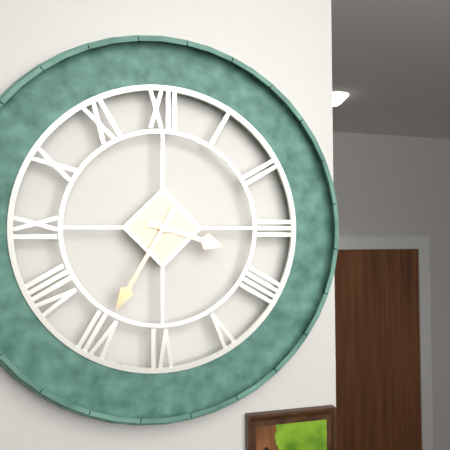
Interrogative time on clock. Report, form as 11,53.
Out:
3,35
